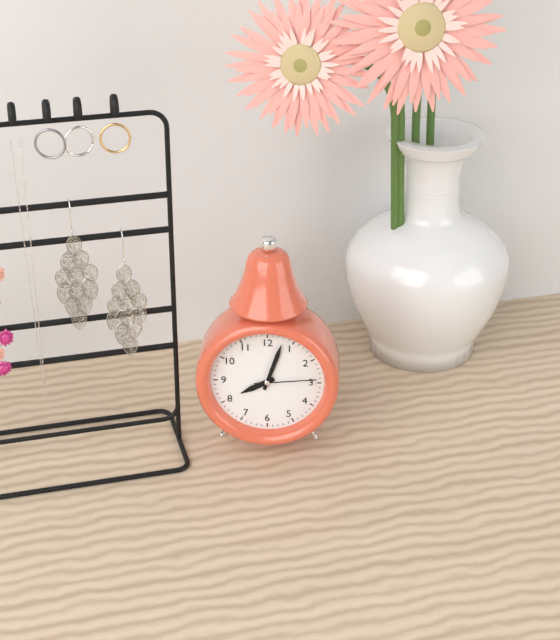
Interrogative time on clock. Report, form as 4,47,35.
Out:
8,03,14
